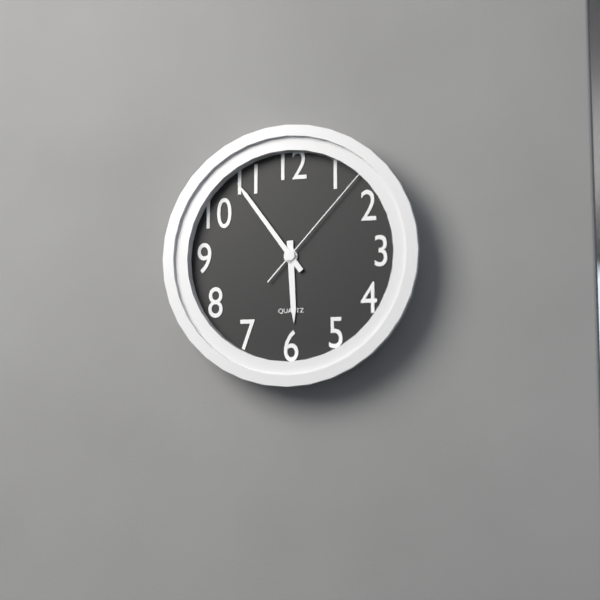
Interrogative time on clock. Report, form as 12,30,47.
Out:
5,54,07
